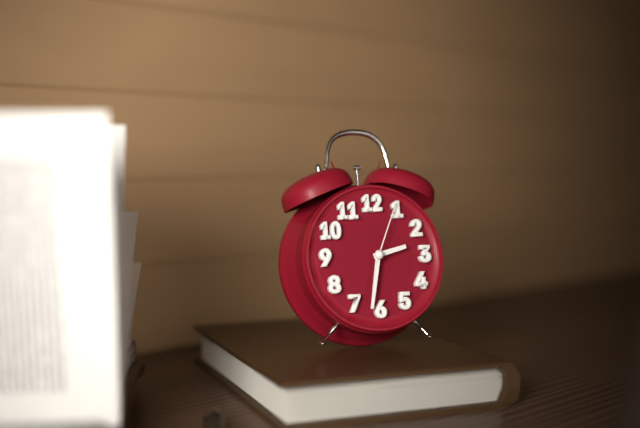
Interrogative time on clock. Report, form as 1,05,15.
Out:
2,32,04
